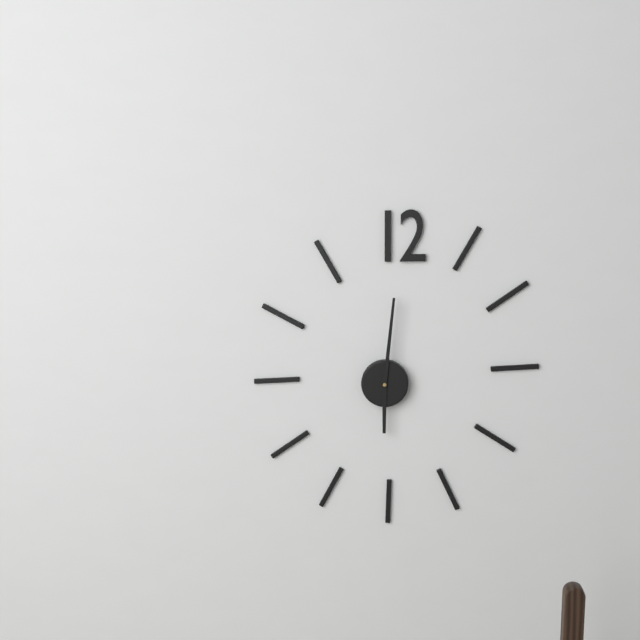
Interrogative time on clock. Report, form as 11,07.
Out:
6,01
